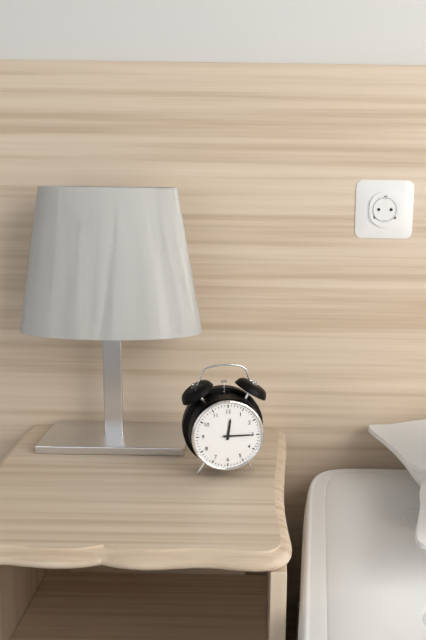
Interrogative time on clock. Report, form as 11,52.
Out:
12,15
